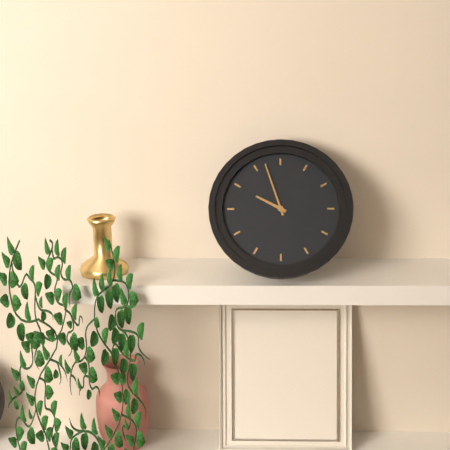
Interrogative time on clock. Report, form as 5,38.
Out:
9,57
